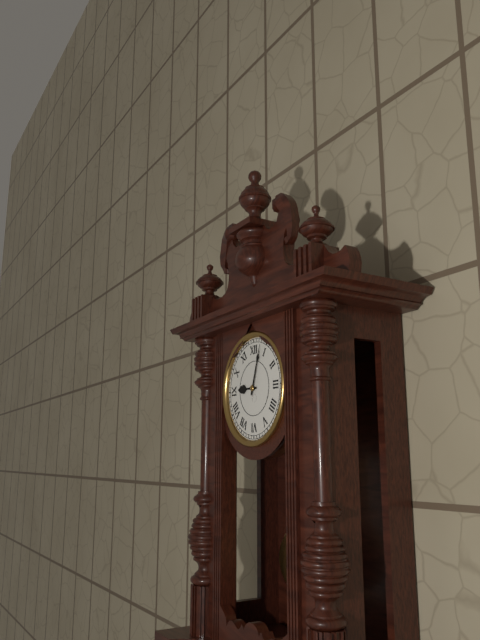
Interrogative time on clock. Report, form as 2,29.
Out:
9,03
